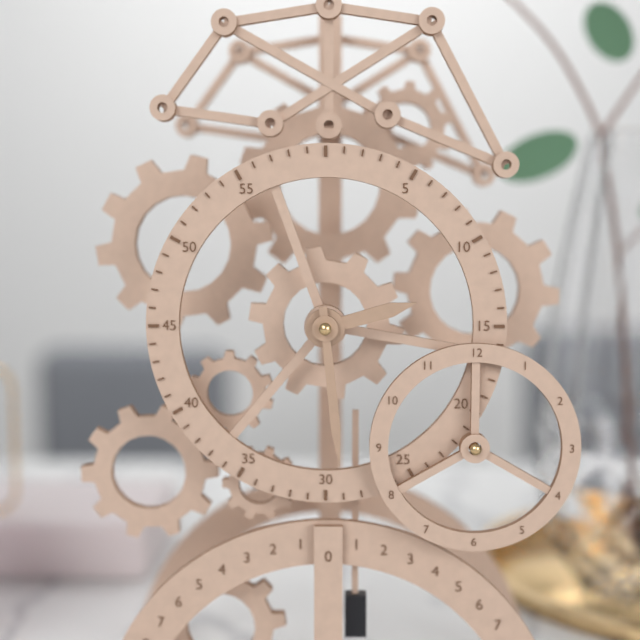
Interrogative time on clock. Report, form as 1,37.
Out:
2,29
